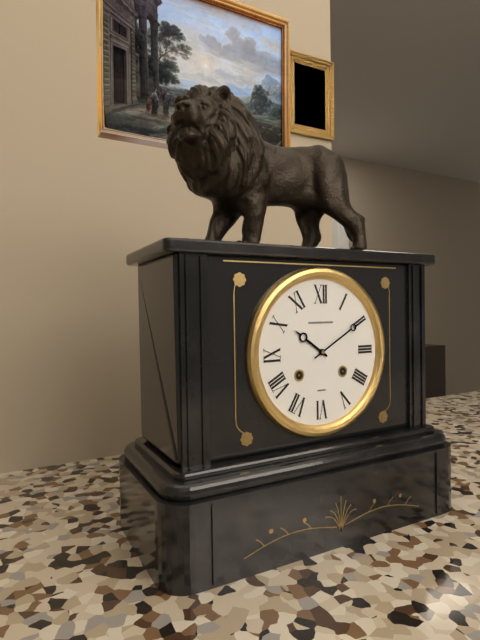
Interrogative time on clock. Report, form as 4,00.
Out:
10,10
